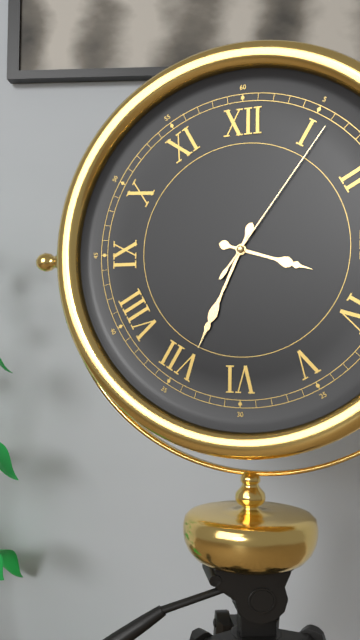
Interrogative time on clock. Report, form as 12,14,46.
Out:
3,34,06
